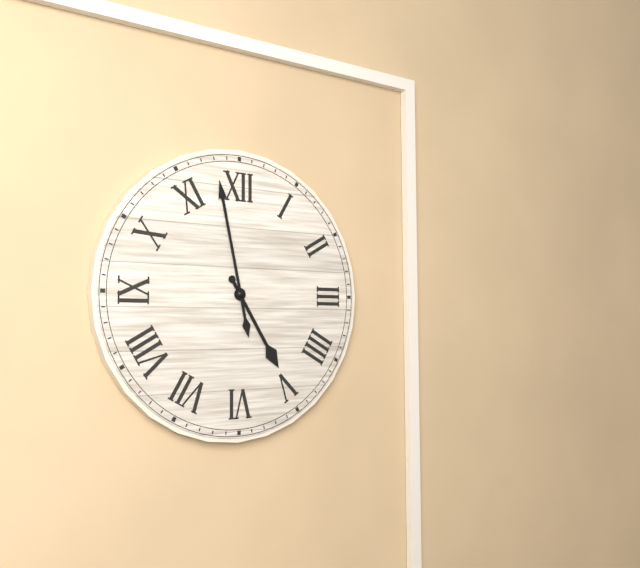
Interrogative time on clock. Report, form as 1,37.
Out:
4,58
